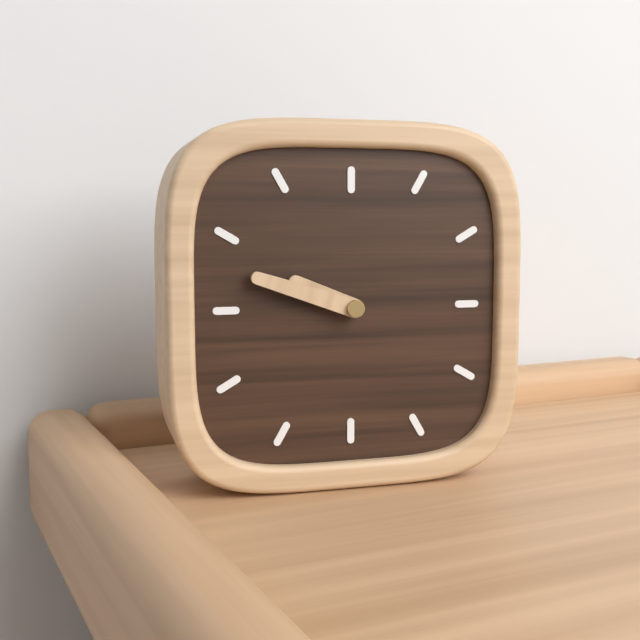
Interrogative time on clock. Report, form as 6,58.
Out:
9,48
